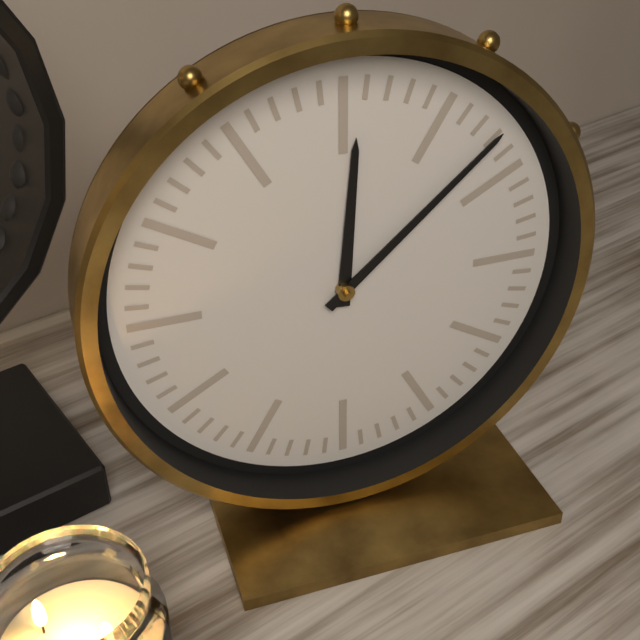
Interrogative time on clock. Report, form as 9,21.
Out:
12,08
